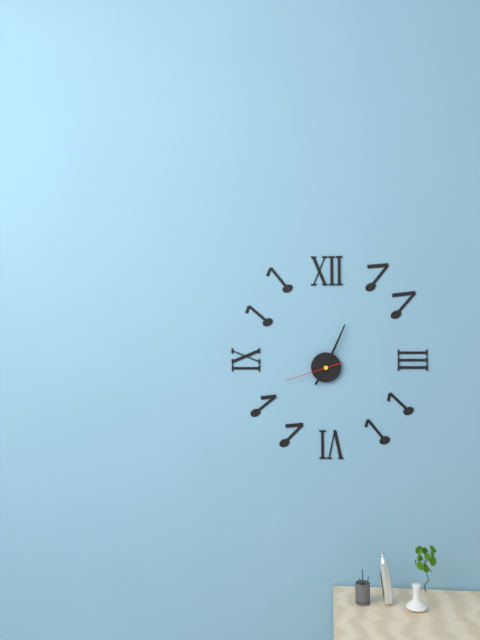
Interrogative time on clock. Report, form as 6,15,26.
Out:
7,04,42
